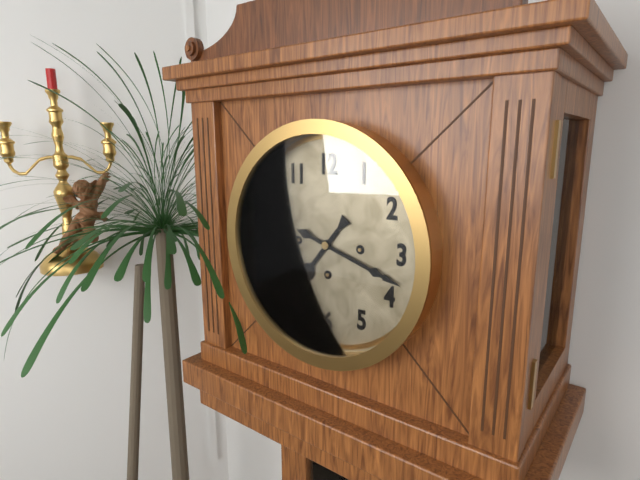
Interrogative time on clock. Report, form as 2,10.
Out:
7,18
